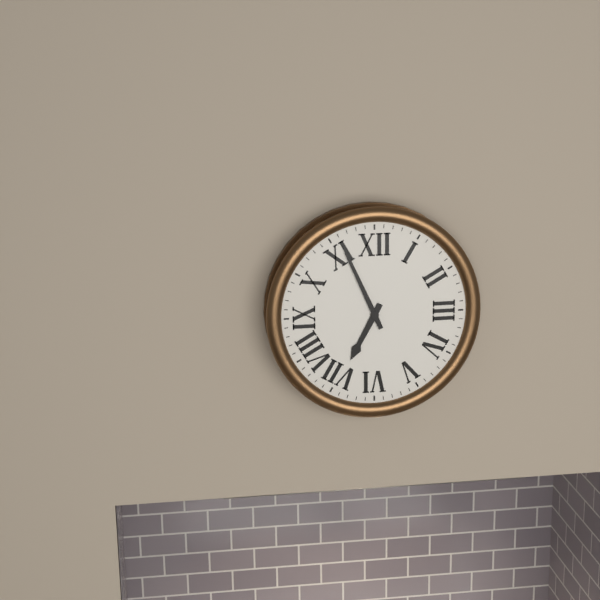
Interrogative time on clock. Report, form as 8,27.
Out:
6,56
